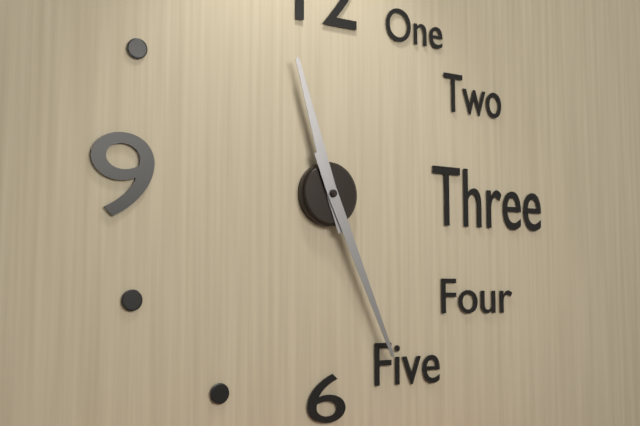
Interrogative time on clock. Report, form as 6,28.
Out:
11,26
